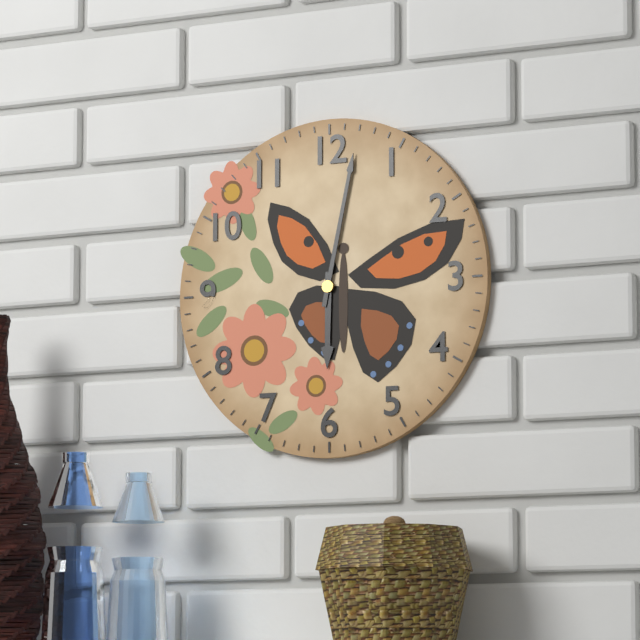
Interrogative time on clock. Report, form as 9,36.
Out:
6,02
